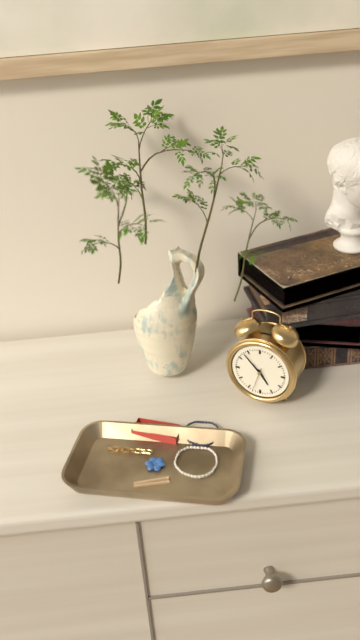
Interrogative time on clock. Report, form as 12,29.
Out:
4,53
